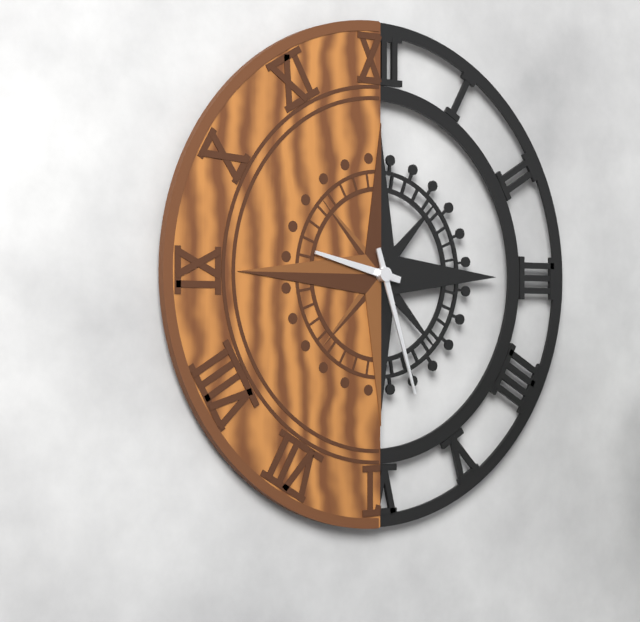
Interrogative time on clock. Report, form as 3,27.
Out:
9,27
